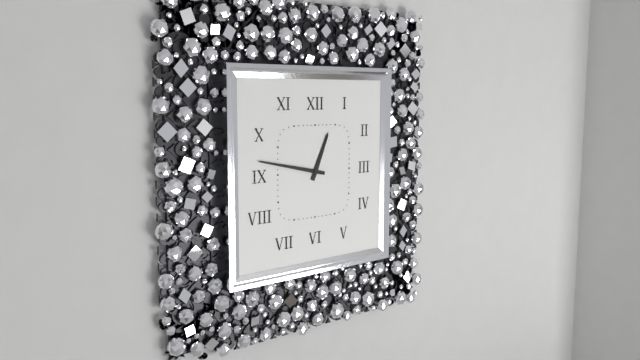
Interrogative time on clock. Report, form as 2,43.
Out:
12,47
